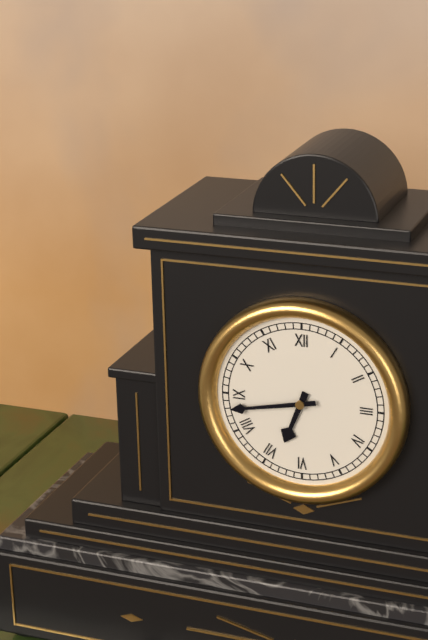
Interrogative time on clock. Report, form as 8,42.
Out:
6,43
